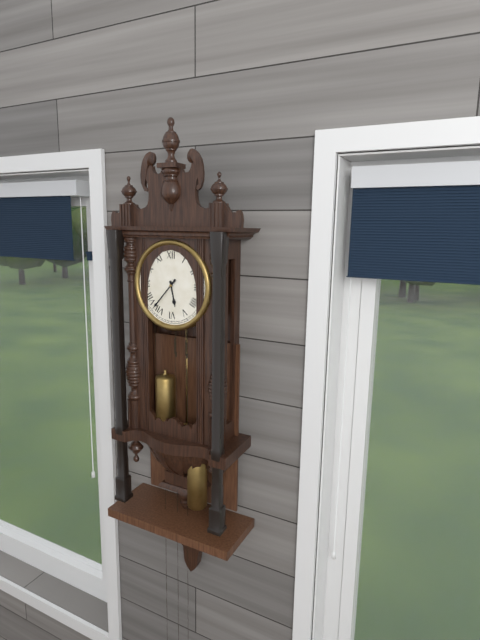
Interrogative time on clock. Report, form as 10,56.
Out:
5,37
